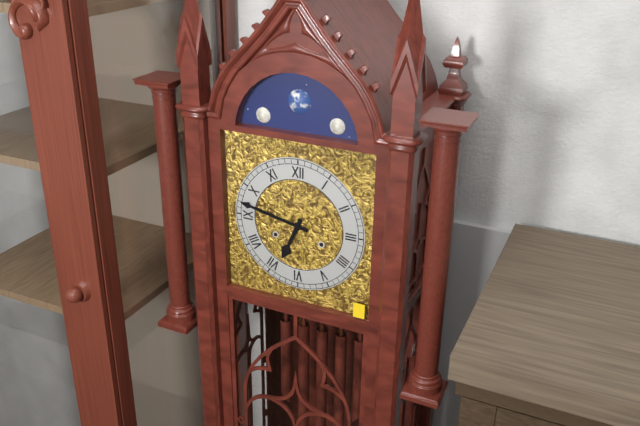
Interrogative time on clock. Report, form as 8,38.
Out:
6,47
